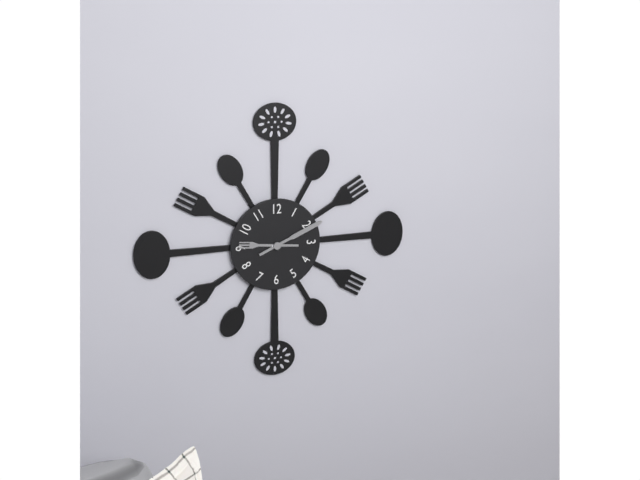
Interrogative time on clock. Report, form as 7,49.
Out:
9,11
